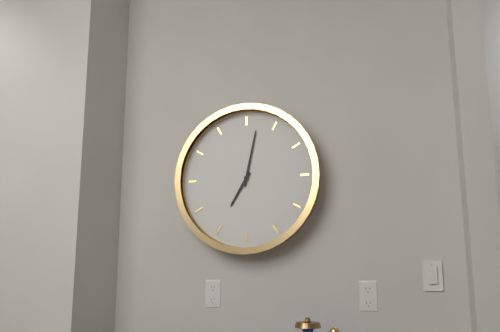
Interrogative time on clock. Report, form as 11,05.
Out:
7,02
